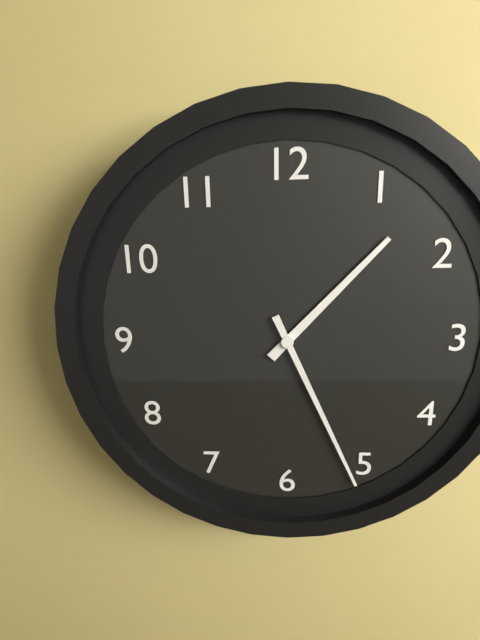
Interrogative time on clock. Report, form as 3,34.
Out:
1,26
